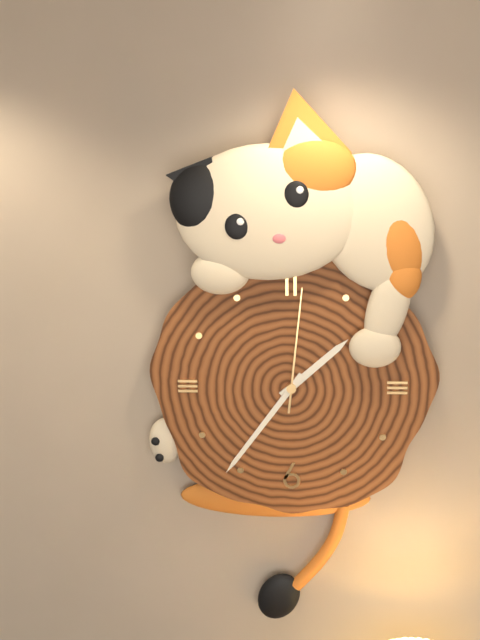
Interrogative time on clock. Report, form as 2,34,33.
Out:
1,36,01
